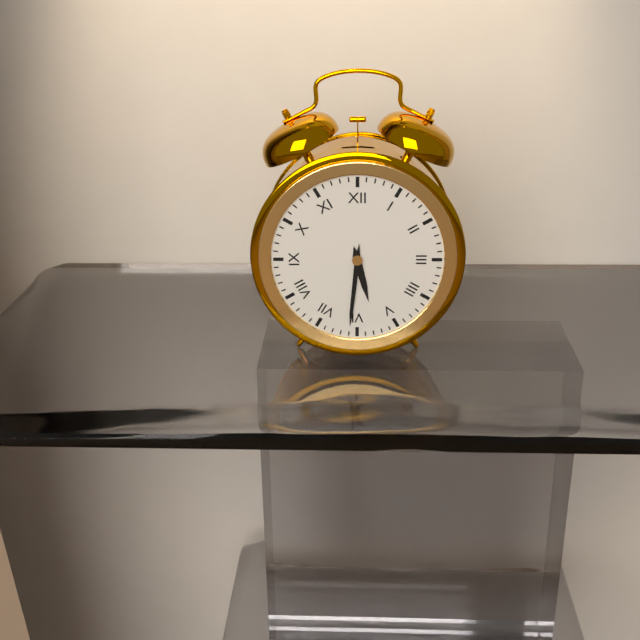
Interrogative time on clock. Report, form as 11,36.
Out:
5,31
